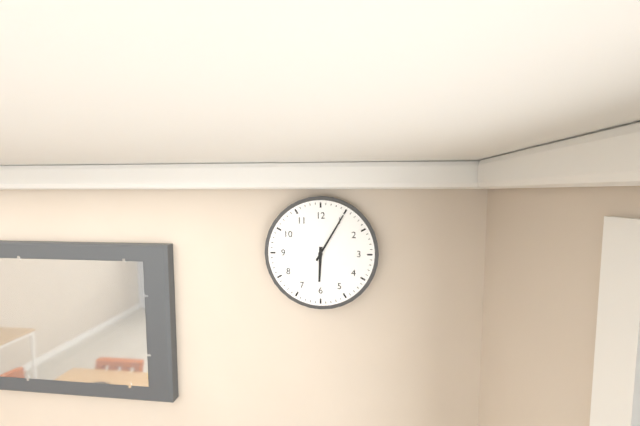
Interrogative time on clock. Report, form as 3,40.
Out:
6,05
